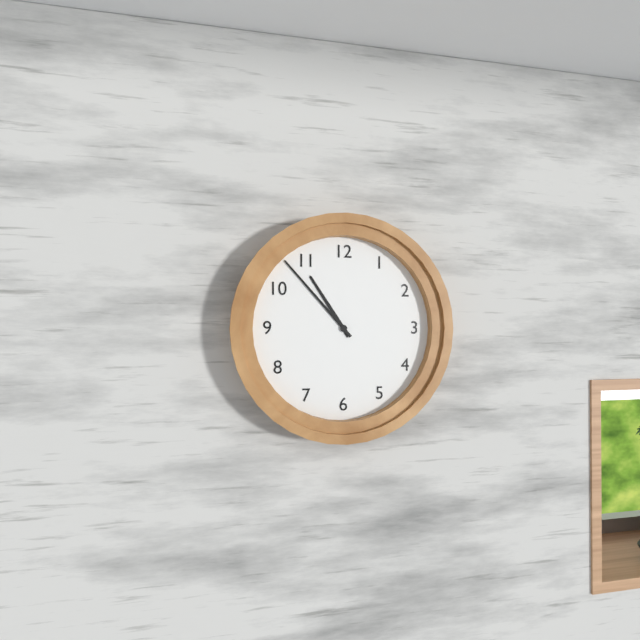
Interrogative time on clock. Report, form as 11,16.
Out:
10,53
